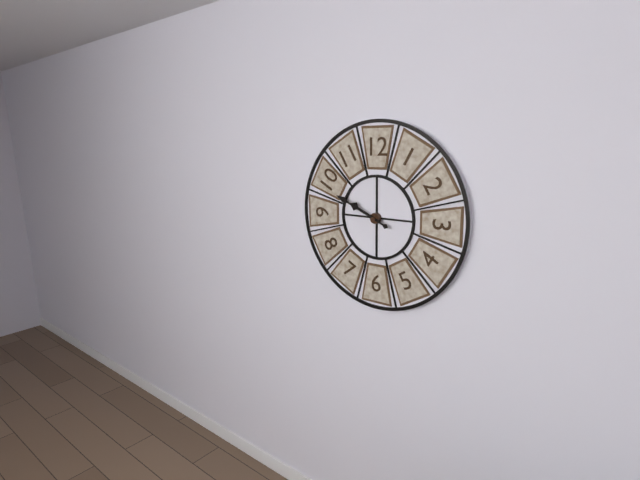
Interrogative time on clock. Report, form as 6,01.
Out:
9,49
